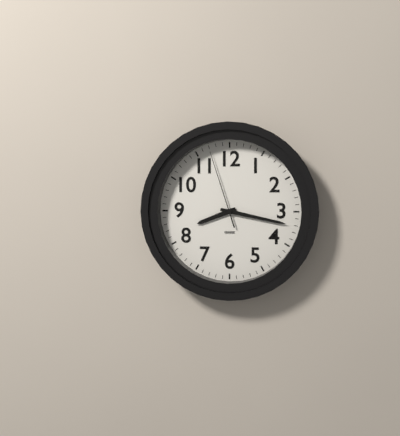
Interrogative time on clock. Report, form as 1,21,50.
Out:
8,17,57
